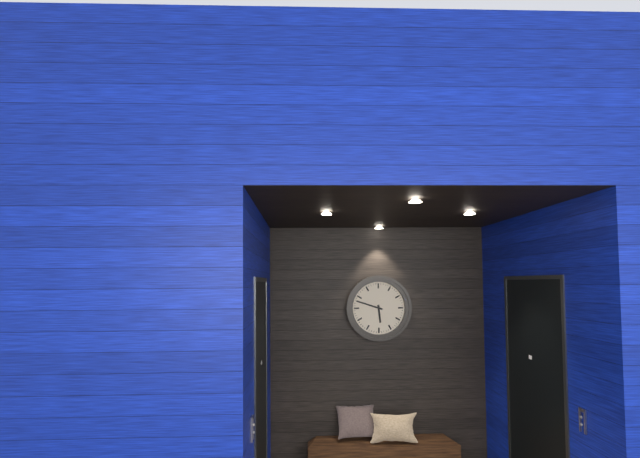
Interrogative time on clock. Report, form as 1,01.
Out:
5,48
